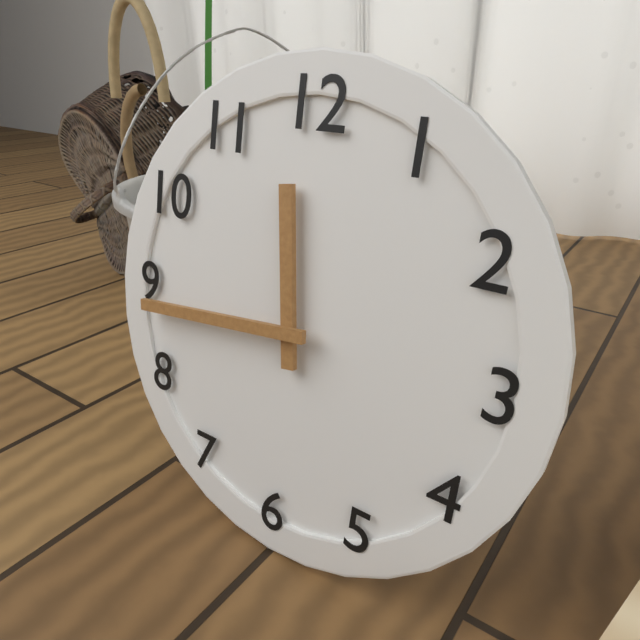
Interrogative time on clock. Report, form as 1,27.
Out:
11,44
